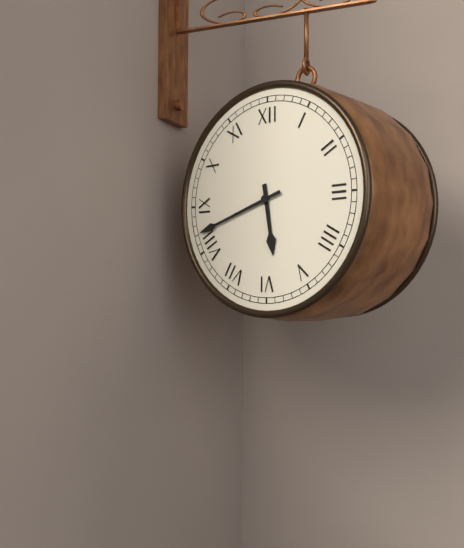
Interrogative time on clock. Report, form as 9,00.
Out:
5,42
